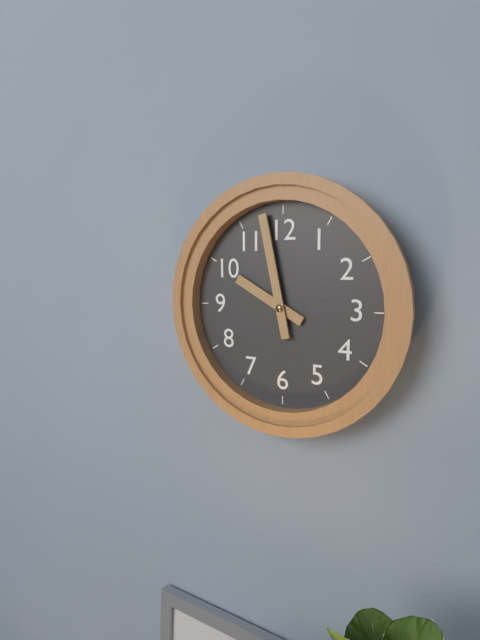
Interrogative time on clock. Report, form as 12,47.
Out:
9,58
